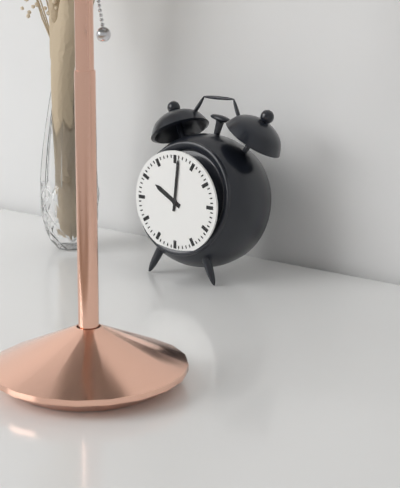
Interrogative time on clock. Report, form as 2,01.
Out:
10,01
